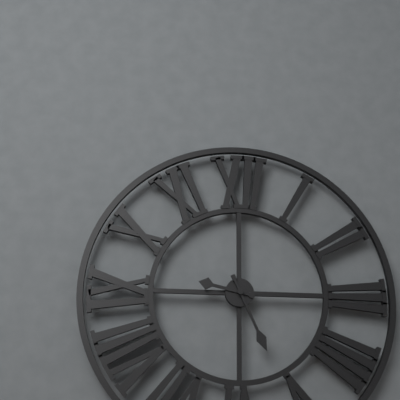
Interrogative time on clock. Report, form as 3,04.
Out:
9,26
